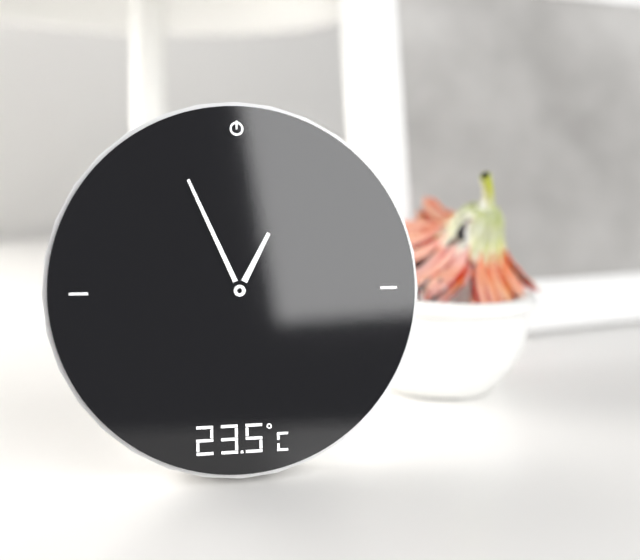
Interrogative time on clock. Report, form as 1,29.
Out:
12,56
